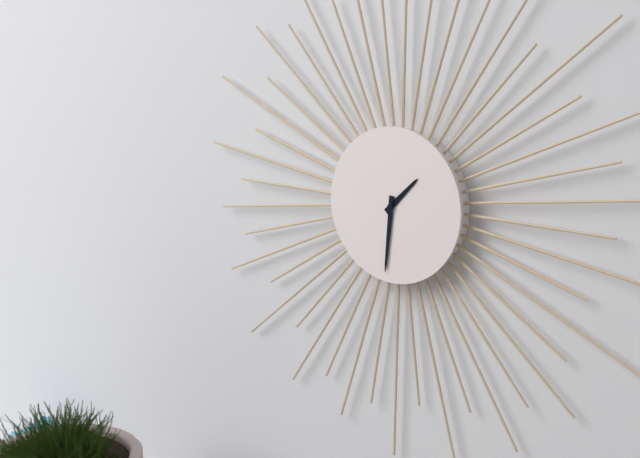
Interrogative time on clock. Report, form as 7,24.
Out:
1,31
